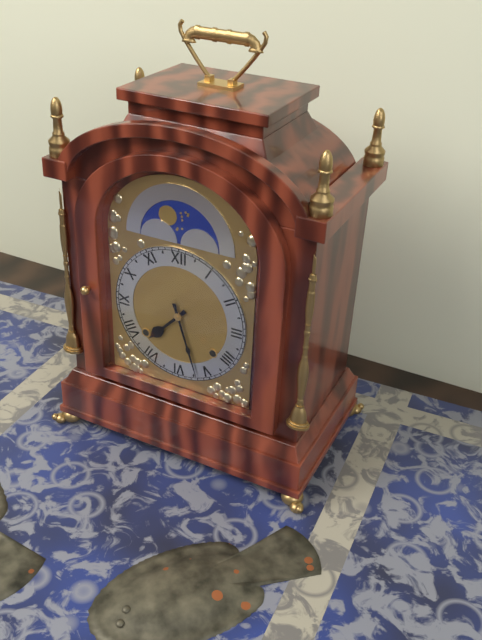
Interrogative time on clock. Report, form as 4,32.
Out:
7,27
